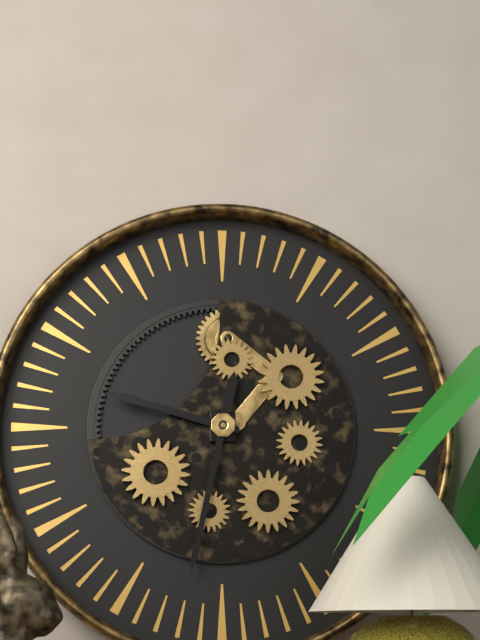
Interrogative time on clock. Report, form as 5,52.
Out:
9,32
